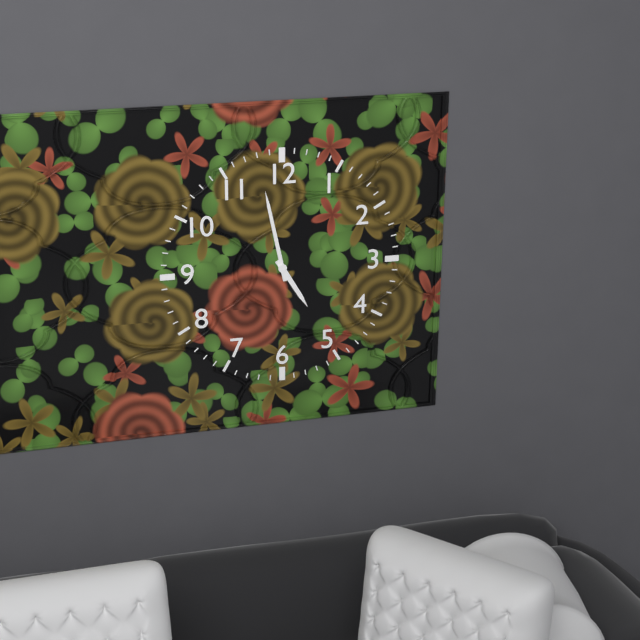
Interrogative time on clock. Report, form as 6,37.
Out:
4,58
